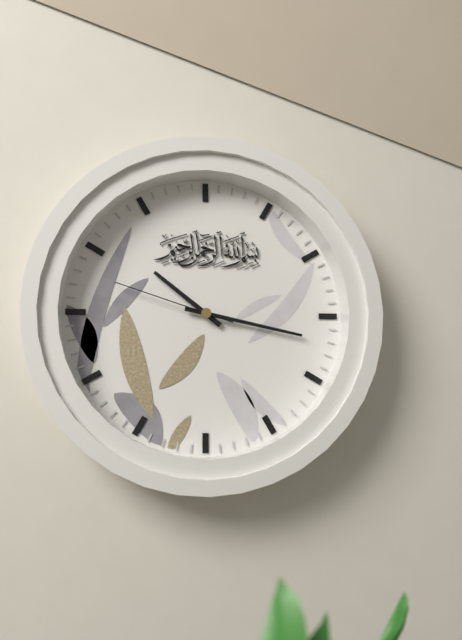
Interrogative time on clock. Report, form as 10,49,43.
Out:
10,17,48
